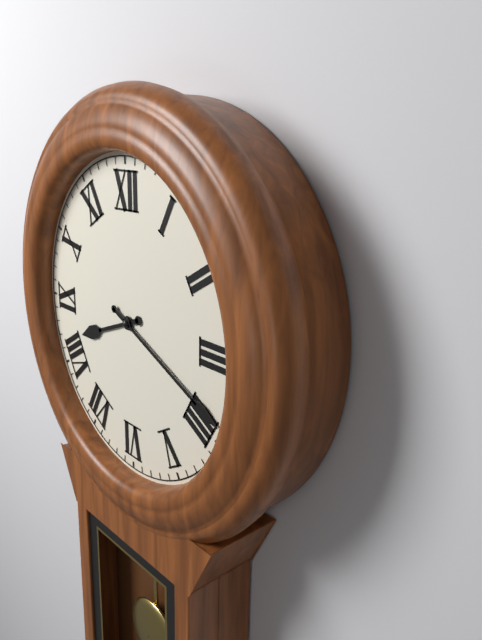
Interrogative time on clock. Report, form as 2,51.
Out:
8,19
